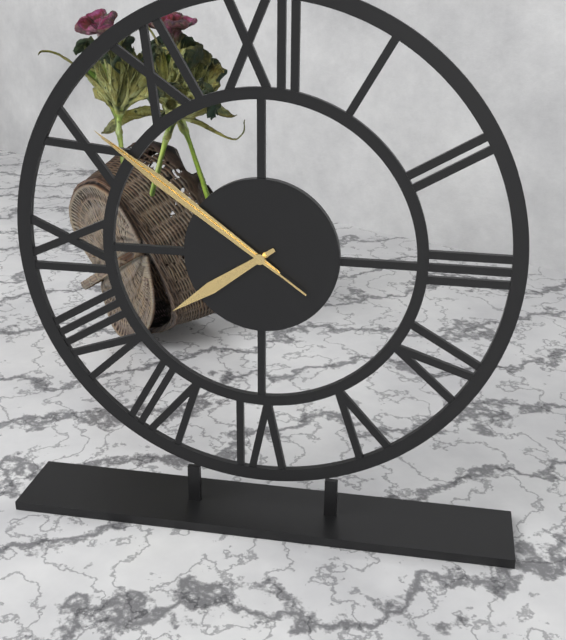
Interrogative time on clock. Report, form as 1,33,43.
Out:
7,51,51
